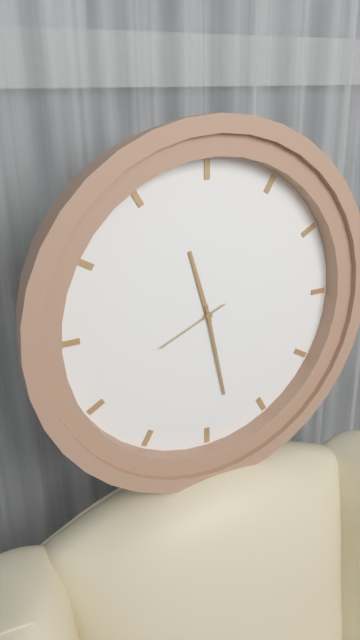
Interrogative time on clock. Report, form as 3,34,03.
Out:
11,28,41
